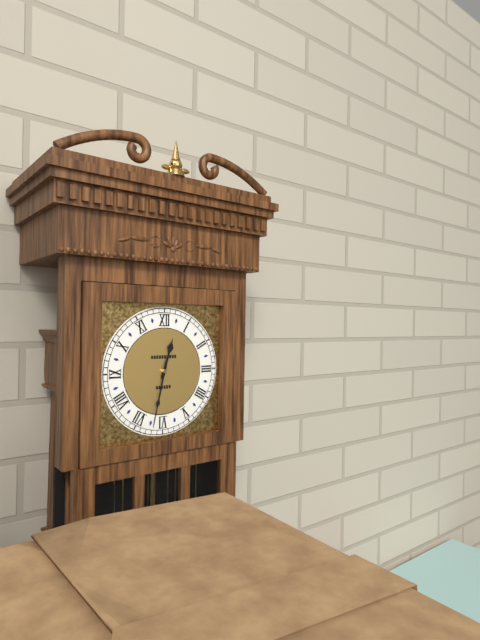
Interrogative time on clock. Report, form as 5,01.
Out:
12,32
